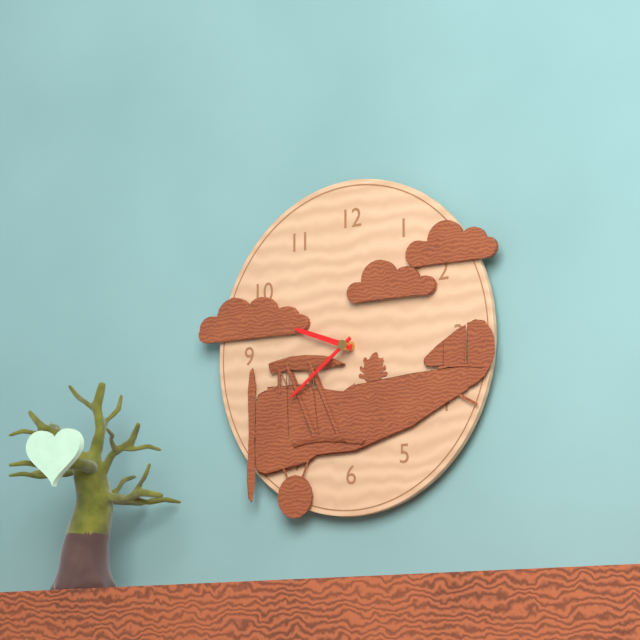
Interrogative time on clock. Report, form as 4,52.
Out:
9,39
